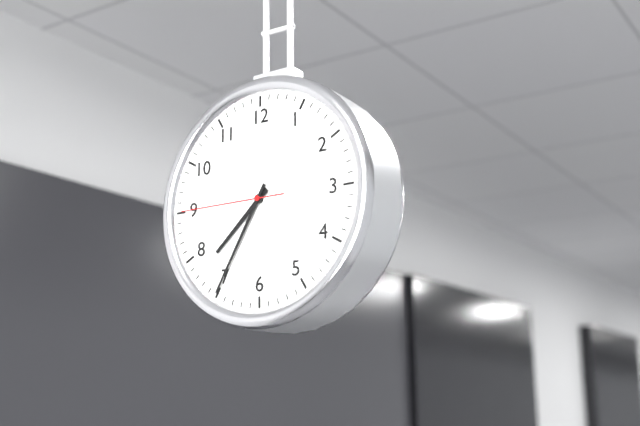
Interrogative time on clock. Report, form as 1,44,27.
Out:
7,35,45
